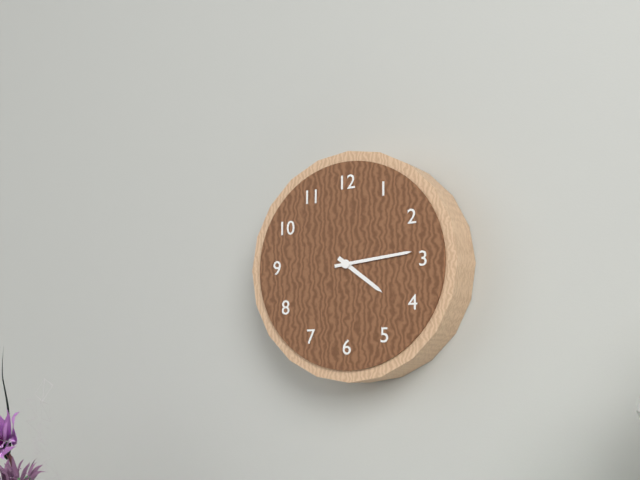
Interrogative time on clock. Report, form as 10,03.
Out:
4,14
